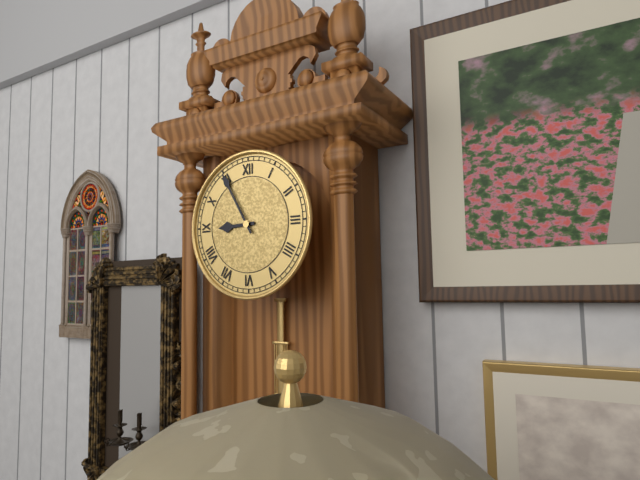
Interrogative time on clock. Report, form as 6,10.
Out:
8,55
